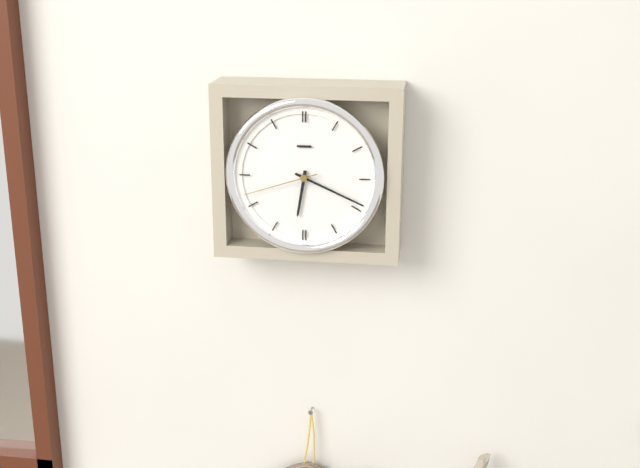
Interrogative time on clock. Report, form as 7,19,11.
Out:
6,19,42
